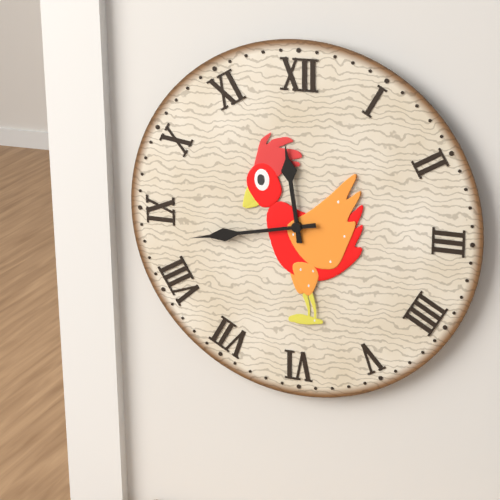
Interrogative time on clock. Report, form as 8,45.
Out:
11,43
